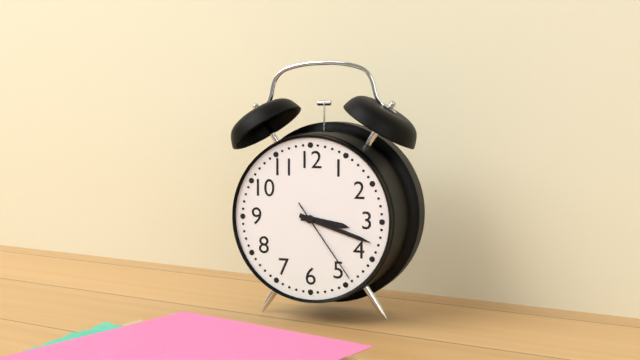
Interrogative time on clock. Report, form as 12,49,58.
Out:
3,18,24
